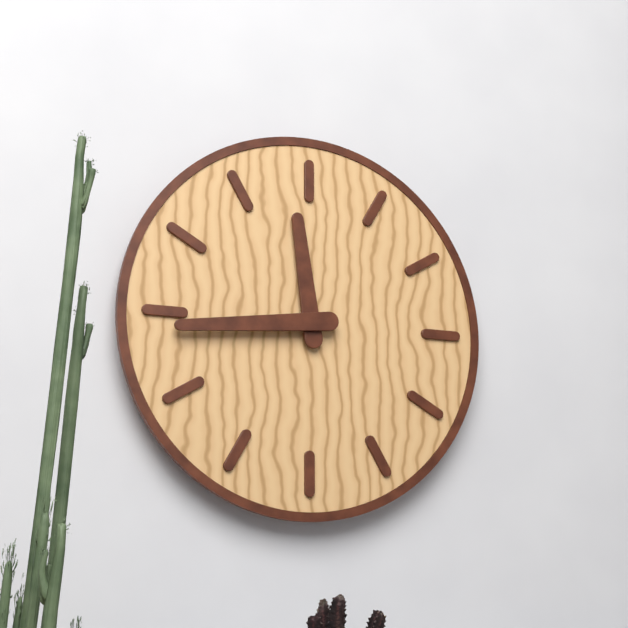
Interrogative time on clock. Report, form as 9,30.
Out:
11,44
